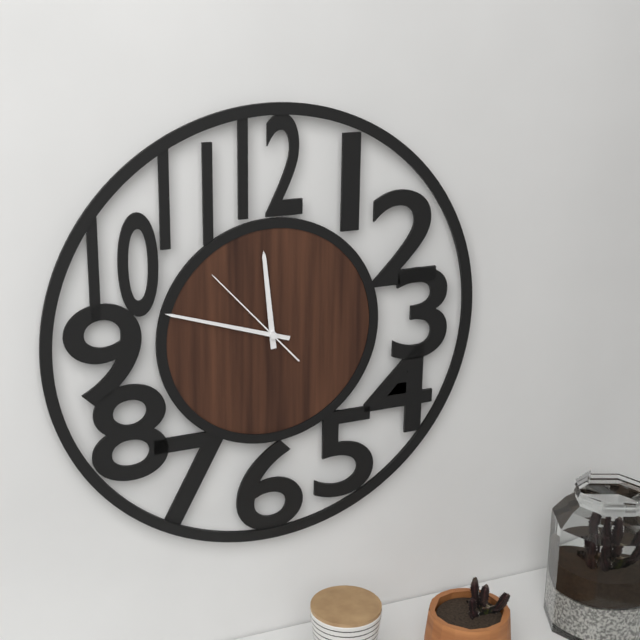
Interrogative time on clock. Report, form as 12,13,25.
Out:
11,48,53
